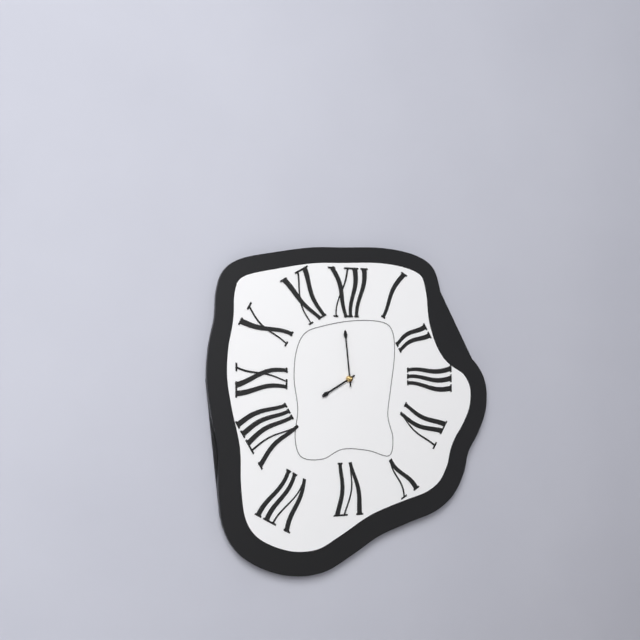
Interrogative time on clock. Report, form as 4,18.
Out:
7,59
